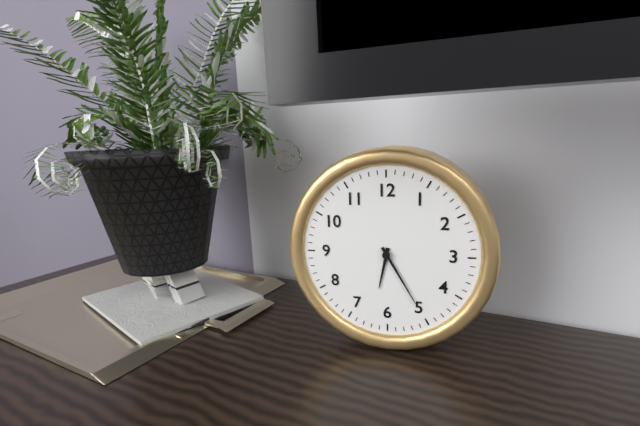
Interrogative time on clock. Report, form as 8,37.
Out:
6,25
